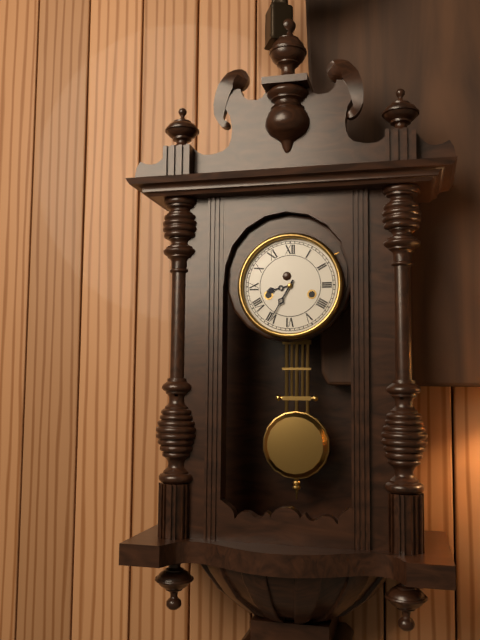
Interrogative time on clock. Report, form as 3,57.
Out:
8,35
